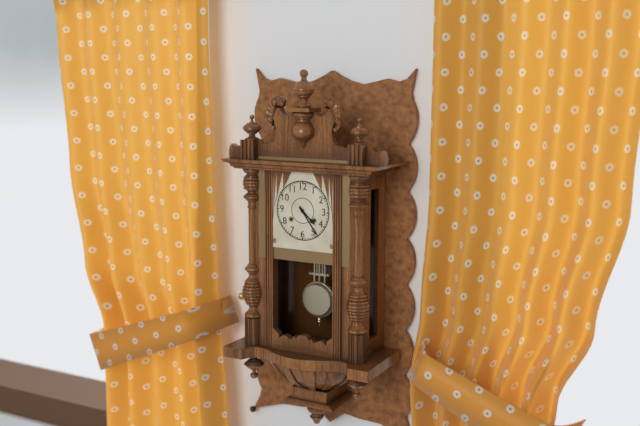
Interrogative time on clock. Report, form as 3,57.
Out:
4,24
